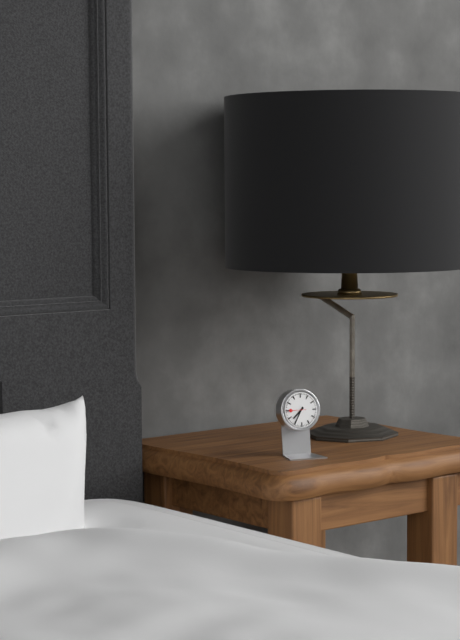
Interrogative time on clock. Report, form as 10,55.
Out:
7,35
